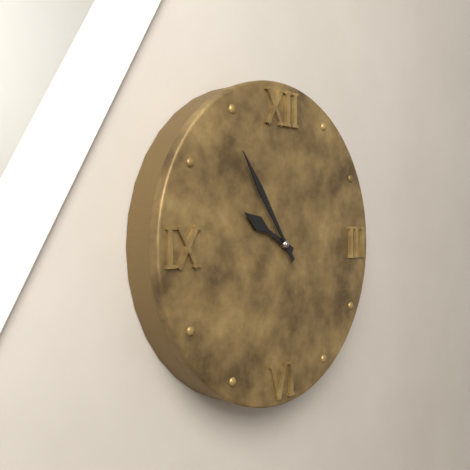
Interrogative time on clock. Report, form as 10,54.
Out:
9,54
